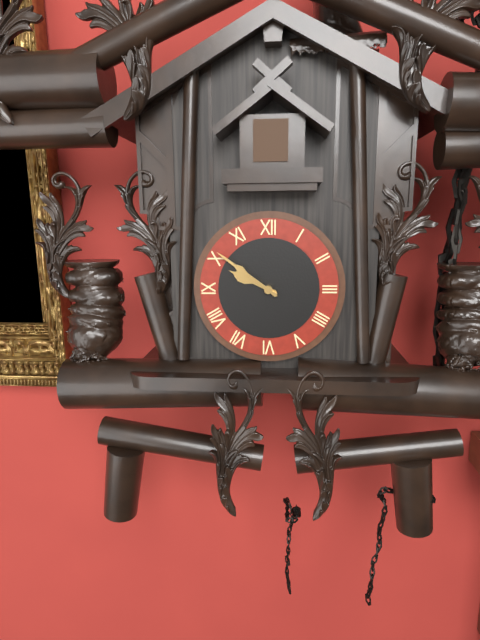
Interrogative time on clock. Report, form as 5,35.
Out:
9,51
